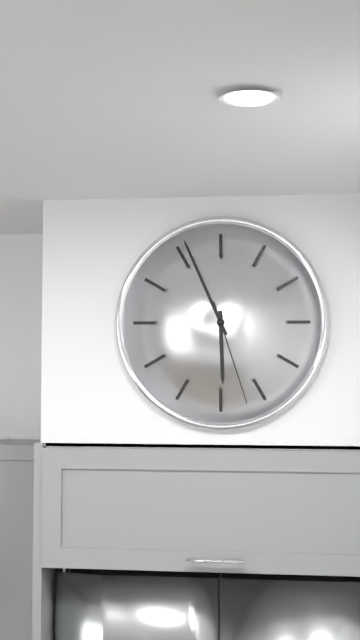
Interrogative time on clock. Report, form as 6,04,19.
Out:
5,56,27
